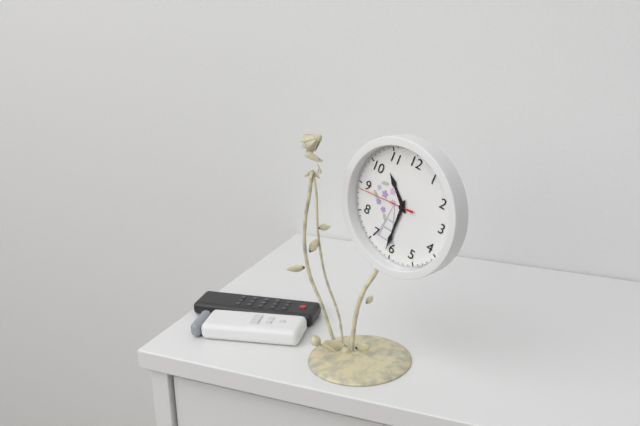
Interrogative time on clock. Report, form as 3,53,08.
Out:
10,31,44
